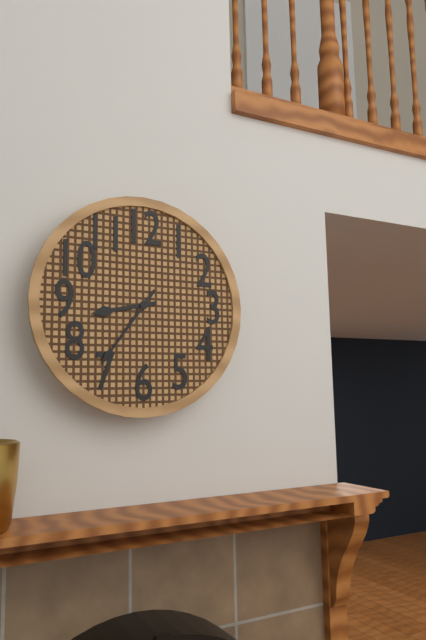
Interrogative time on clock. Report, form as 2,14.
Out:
8,36
